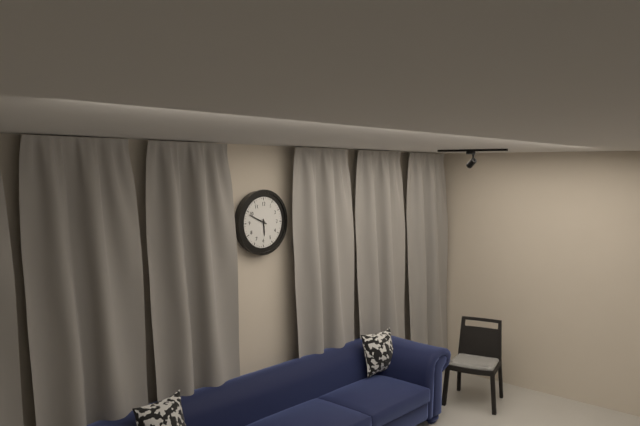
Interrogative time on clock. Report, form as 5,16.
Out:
5,49
